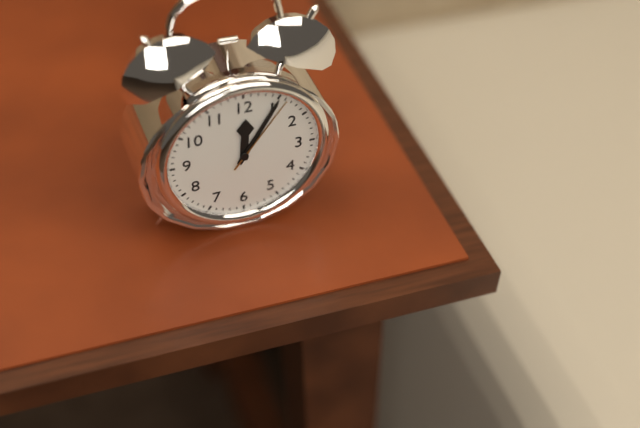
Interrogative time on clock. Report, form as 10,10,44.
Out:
12,05,06
